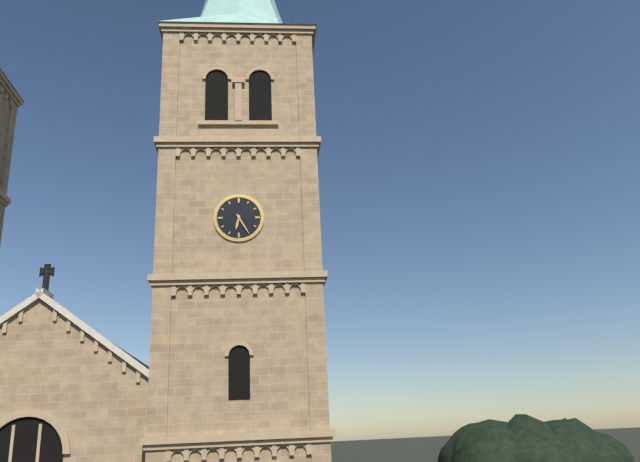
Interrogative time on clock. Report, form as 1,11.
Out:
6,25
